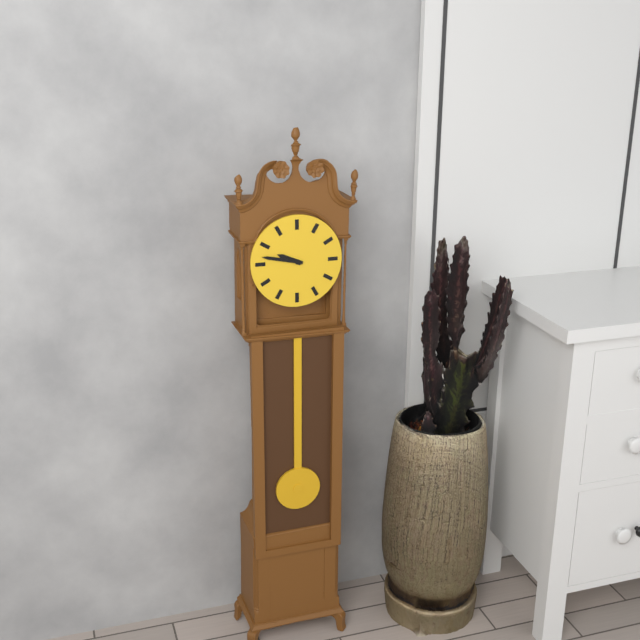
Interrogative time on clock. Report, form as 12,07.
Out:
9,47
